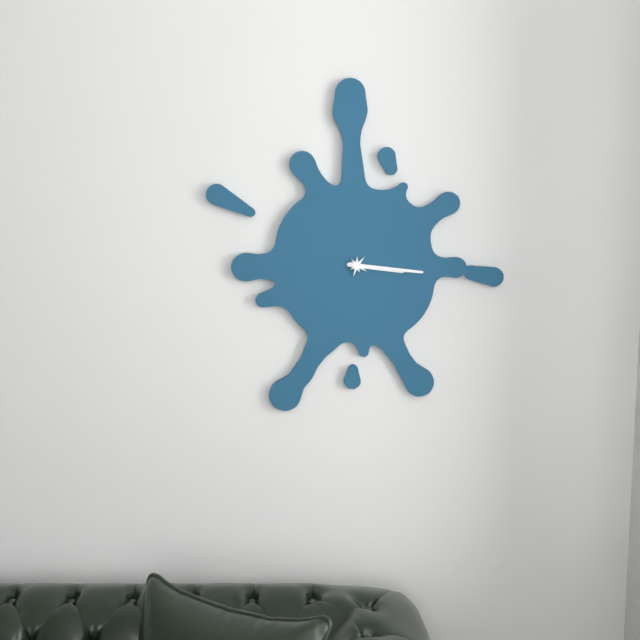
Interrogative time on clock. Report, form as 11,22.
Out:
3,16
